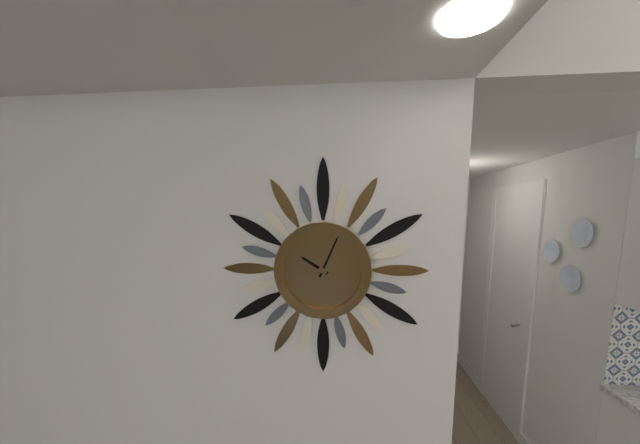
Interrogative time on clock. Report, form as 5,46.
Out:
10,04
